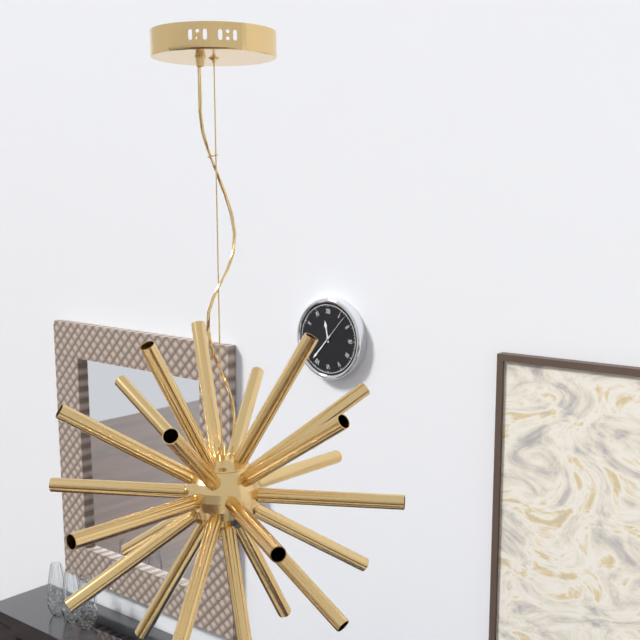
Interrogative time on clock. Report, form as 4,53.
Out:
11,37
